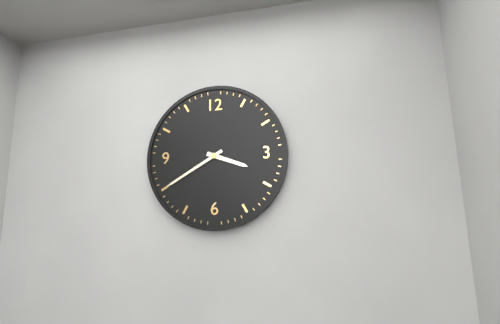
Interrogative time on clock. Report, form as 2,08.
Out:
3,40
